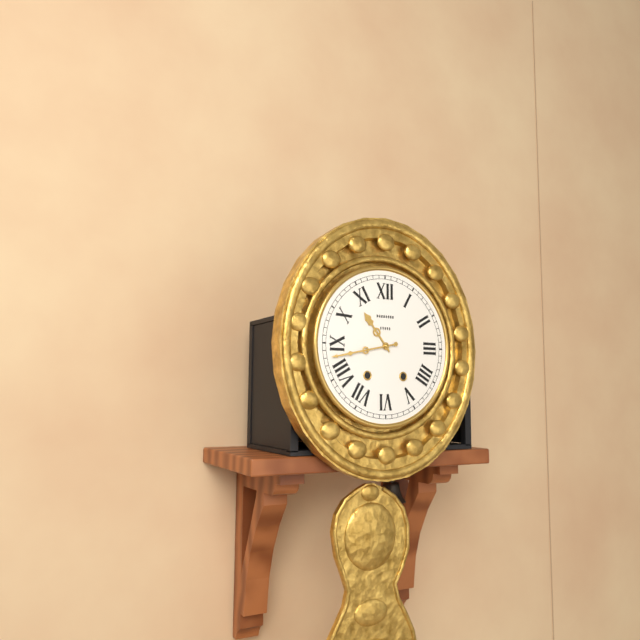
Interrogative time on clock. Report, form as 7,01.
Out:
10,43
